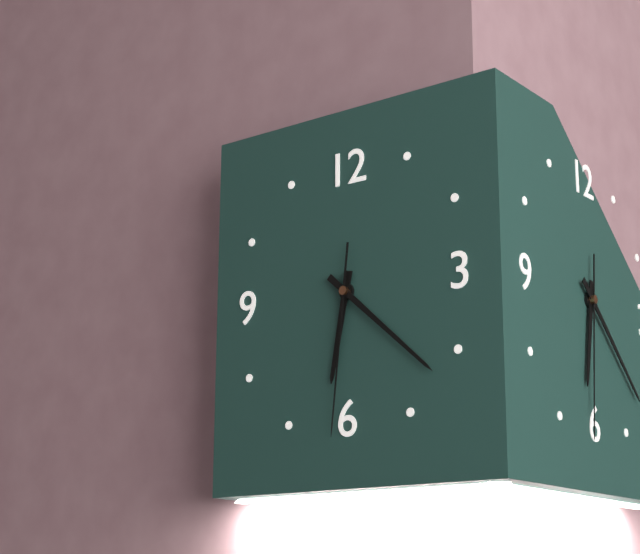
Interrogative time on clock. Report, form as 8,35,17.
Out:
6,22,31
